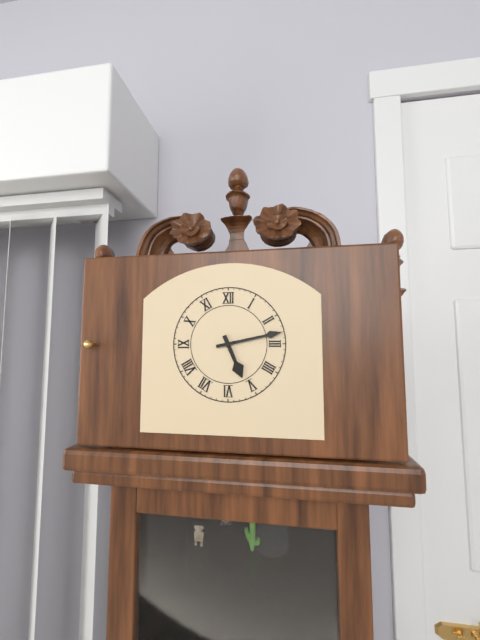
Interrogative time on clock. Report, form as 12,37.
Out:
5,13
